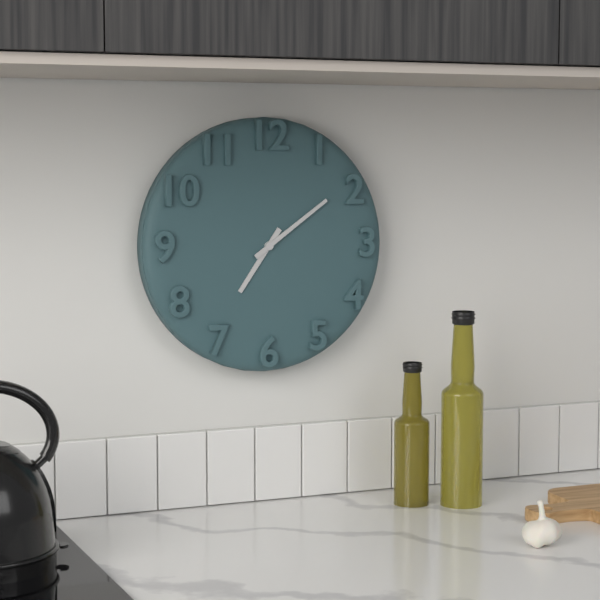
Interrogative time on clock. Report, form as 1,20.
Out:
7,09
